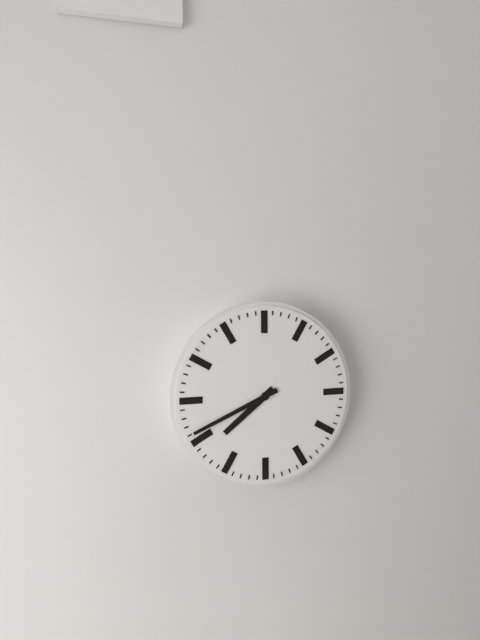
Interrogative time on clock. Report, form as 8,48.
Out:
7,41
